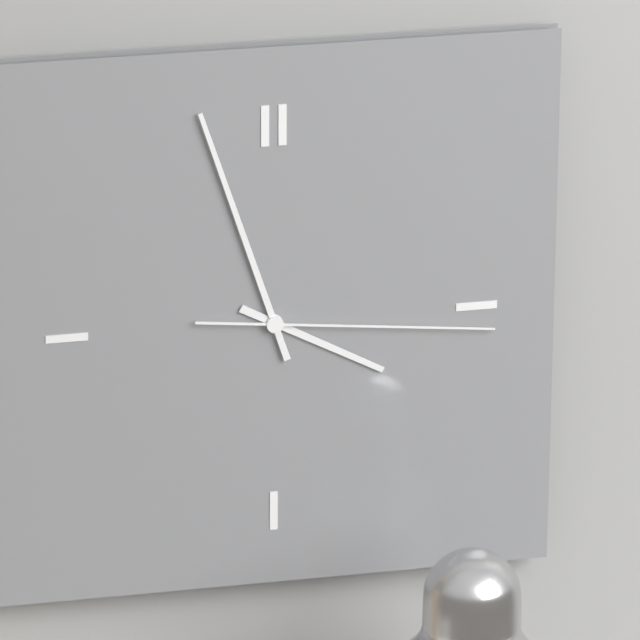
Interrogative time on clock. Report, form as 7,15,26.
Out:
3,57,16
